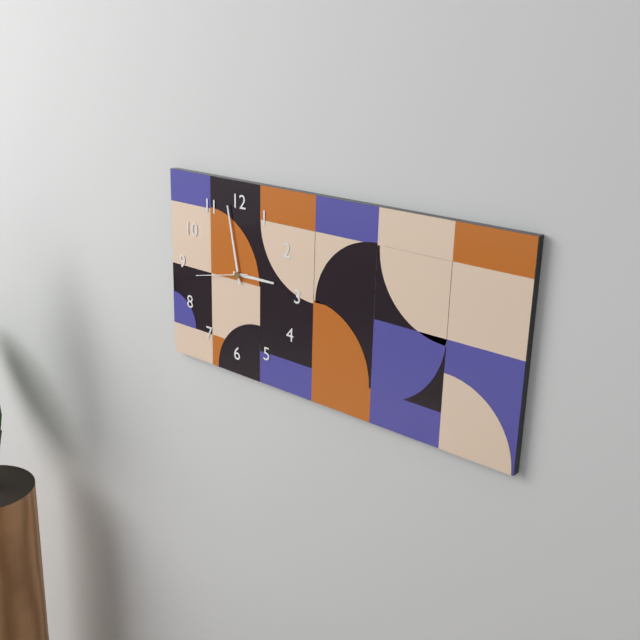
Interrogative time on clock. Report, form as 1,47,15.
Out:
2,58,43
